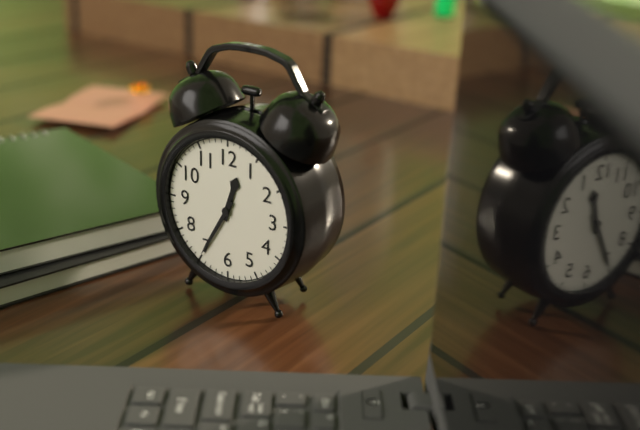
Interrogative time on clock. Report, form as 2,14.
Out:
12,35
